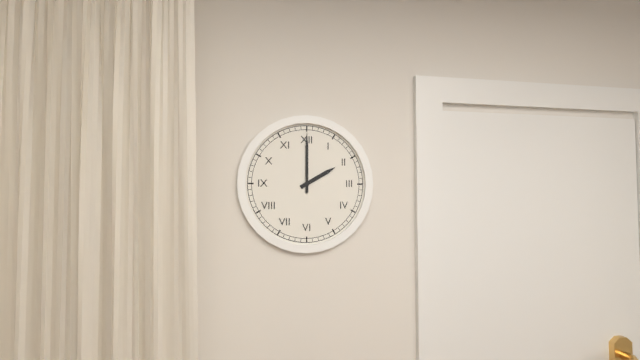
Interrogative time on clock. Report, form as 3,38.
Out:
2,00
